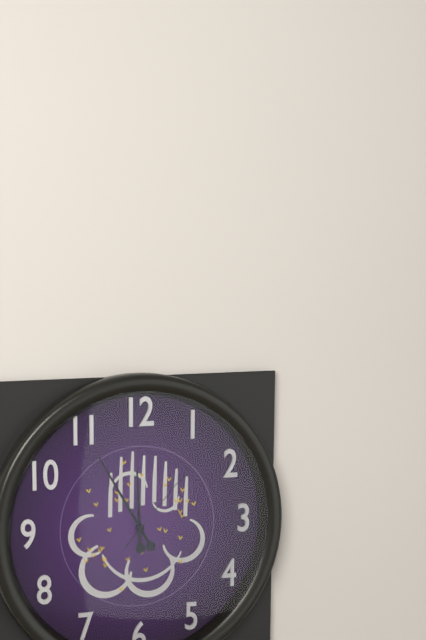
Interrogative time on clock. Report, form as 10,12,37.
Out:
11,55,07
